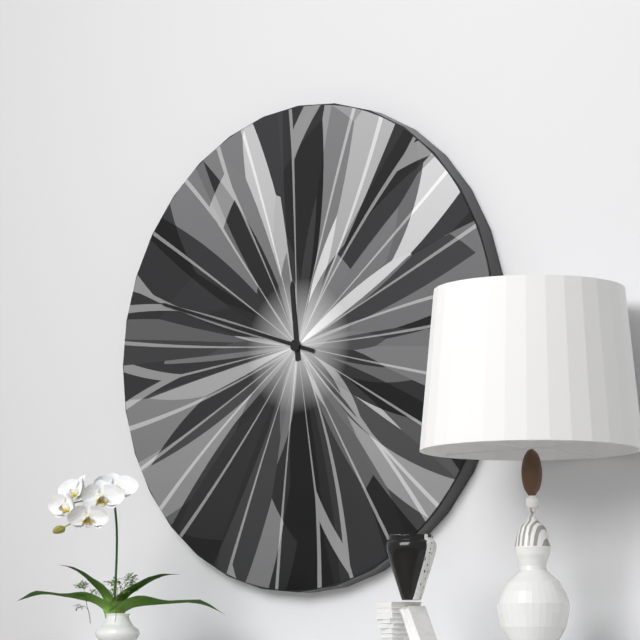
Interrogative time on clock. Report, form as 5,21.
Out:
11,48
